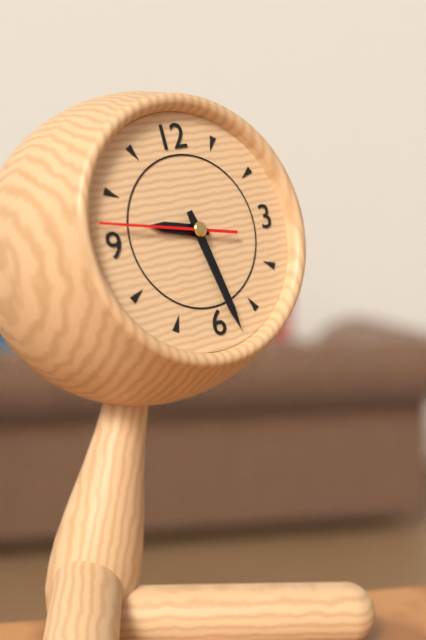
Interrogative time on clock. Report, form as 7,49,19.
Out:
9,28,47
